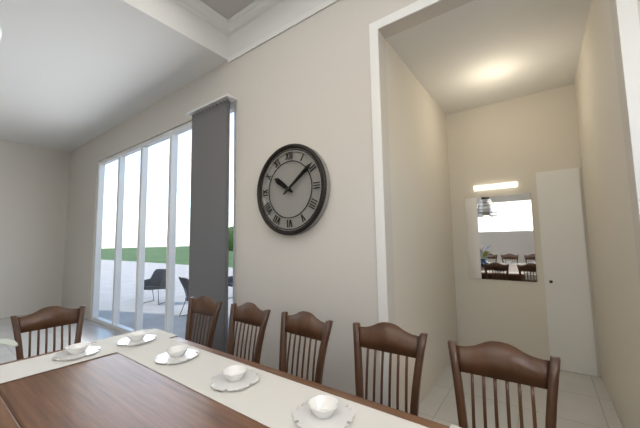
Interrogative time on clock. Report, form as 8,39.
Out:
10,09
